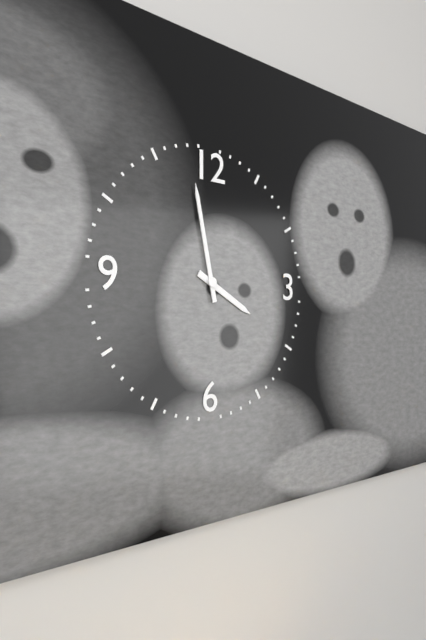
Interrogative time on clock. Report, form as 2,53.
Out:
3,58
